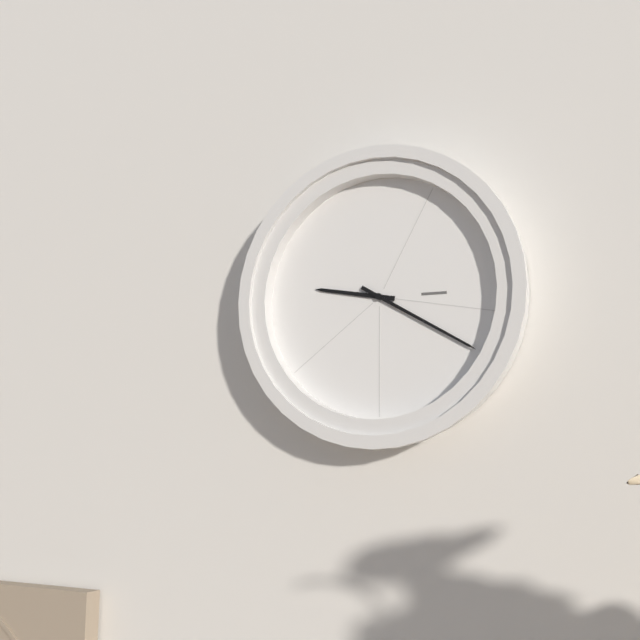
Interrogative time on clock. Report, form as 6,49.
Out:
9,20
